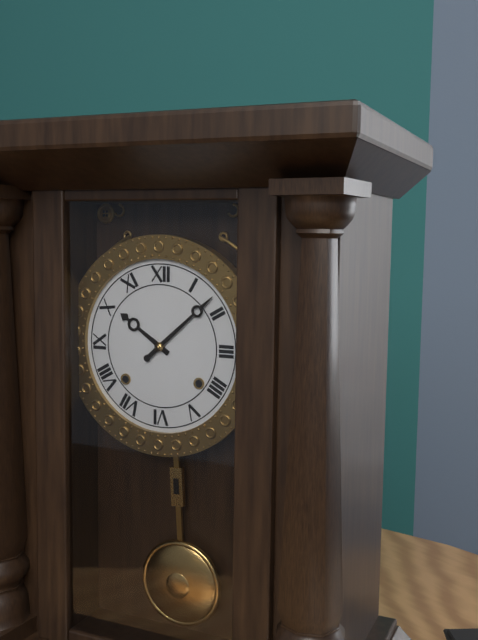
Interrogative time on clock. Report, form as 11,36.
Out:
10,08
